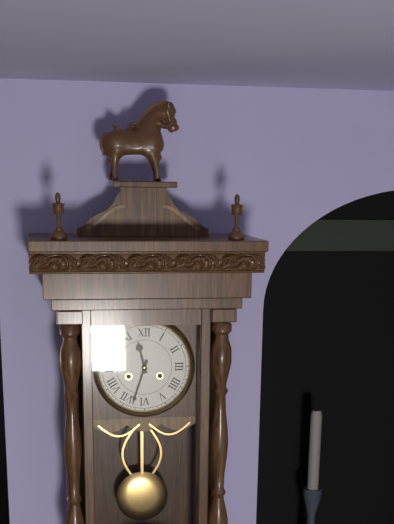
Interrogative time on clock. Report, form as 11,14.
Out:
11,33
